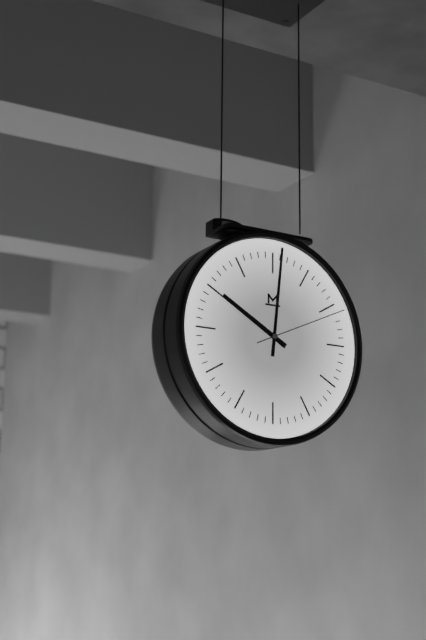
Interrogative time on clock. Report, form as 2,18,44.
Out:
10,01,11
